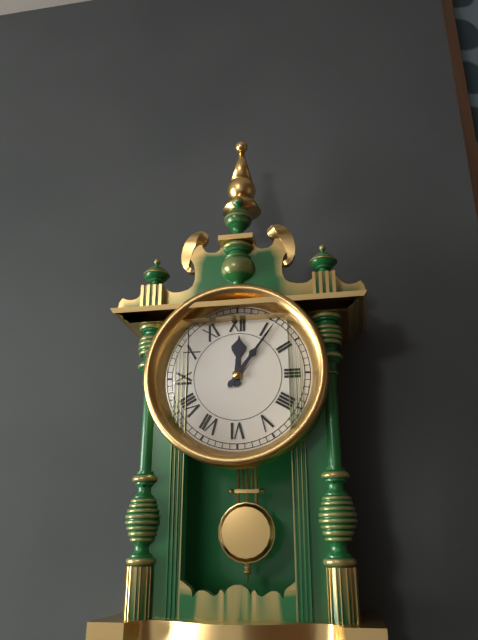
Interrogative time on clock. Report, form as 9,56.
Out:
12,06
